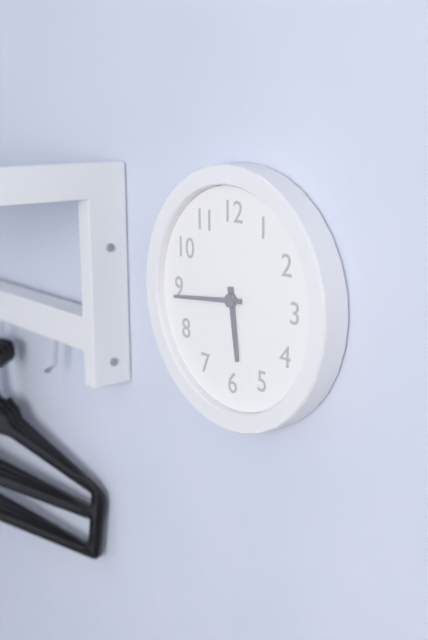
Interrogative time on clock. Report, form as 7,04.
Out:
5,44
